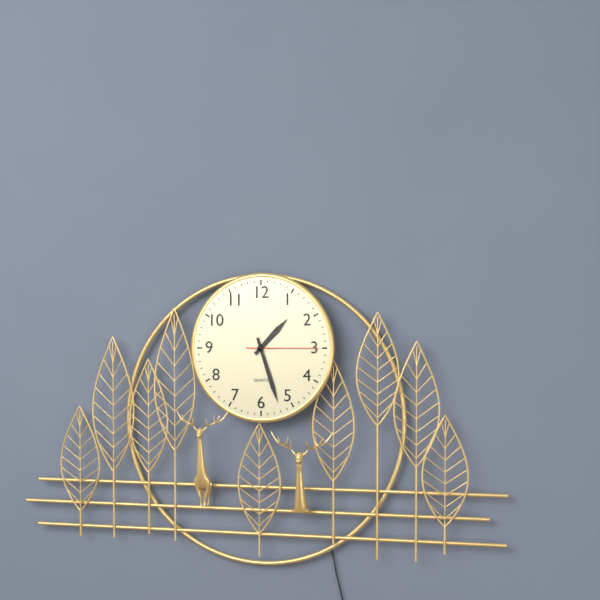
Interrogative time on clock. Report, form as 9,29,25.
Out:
1,27,15
